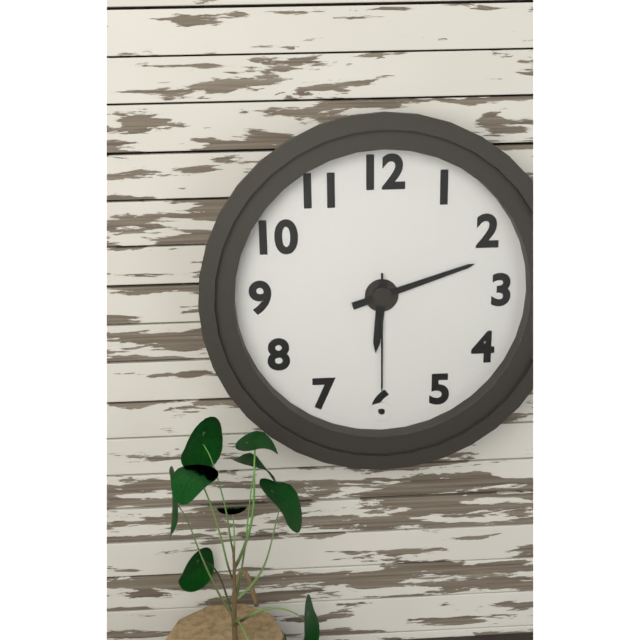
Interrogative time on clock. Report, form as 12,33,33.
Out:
6,12,30
